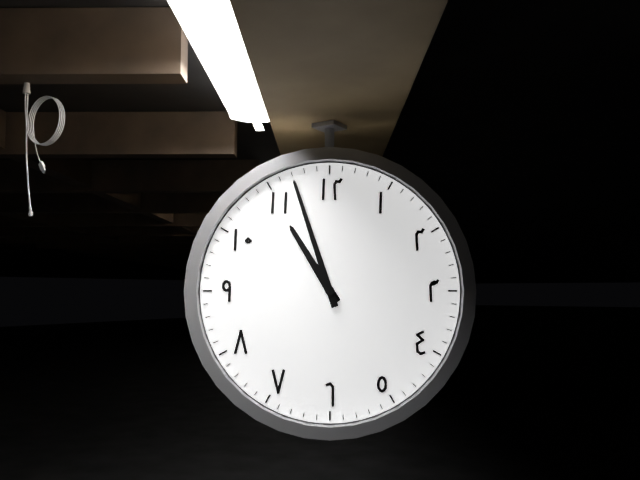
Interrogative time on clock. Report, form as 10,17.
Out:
10,57
